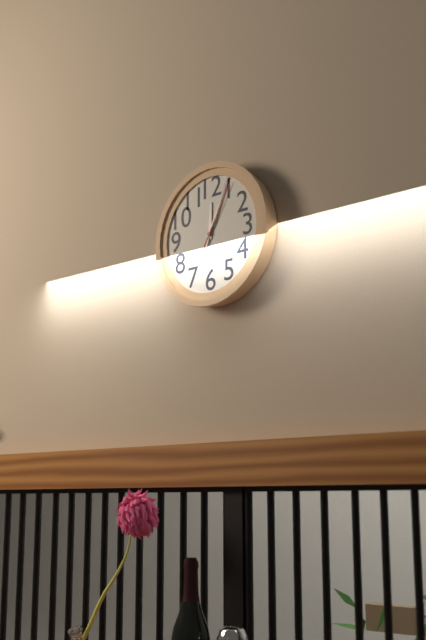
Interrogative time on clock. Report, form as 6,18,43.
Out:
12,04,05
